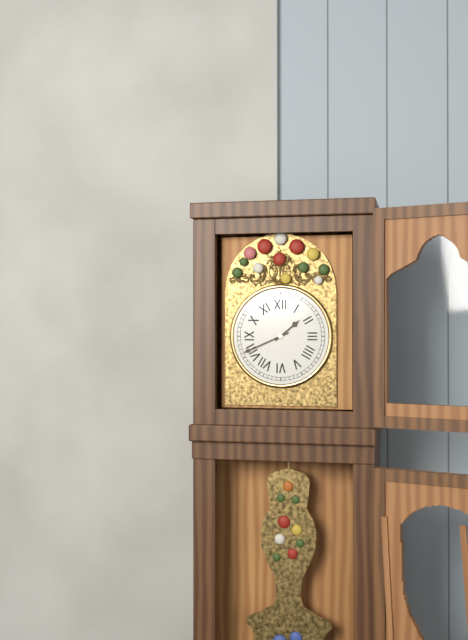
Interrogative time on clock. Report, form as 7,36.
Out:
1,41
